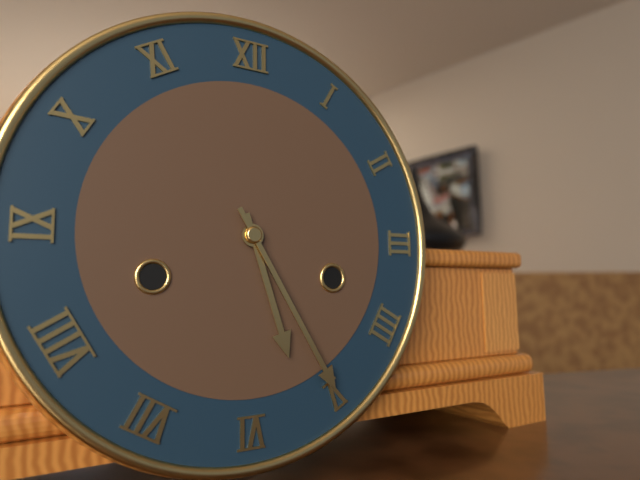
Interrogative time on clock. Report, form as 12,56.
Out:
5,25
